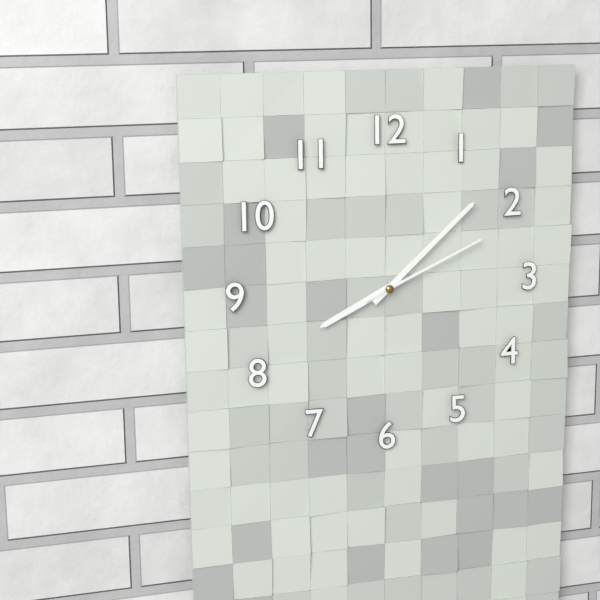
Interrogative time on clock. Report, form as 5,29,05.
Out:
8,08,11
